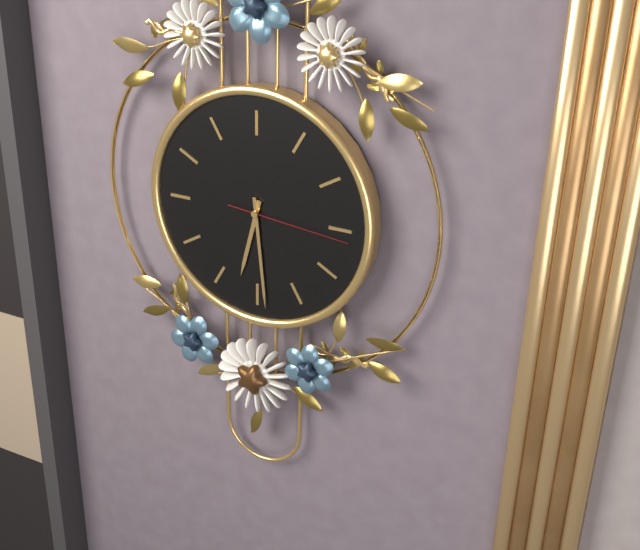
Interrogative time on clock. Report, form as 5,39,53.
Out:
6,29,16
